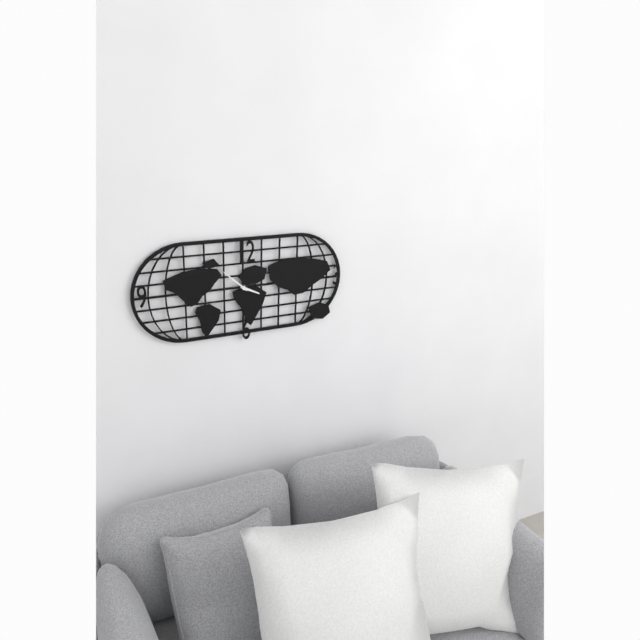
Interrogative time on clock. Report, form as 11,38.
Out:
3,52
